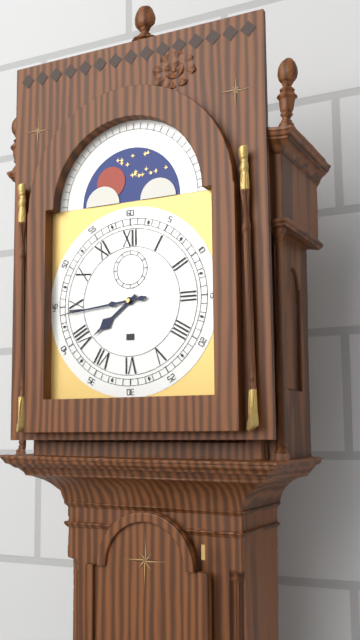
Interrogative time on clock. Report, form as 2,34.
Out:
7,44
